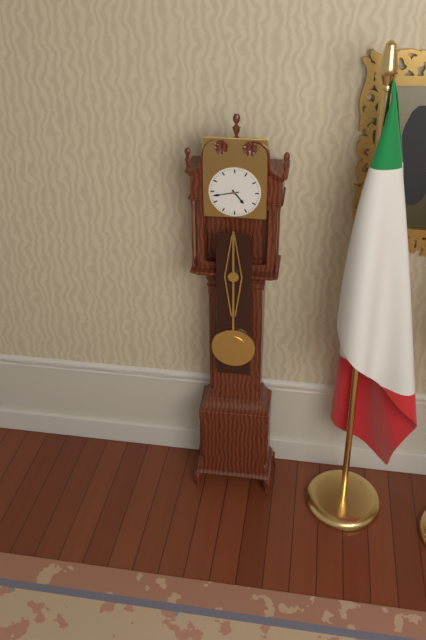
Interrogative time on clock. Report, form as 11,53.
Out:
4,43
